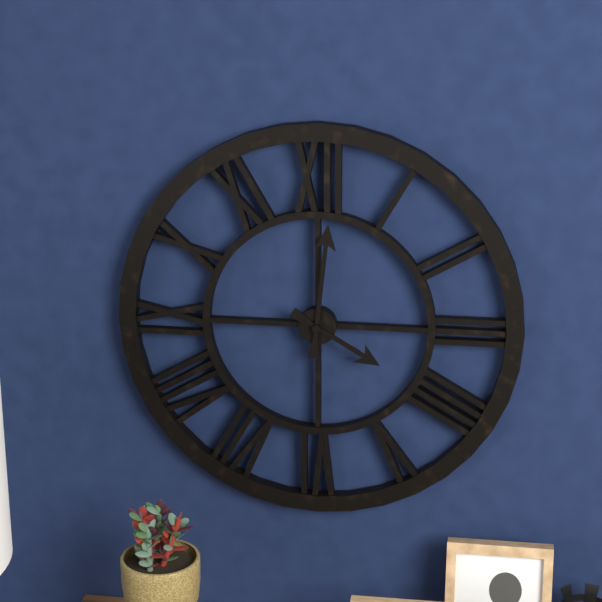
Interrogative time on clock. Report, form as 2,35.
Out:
4,01
